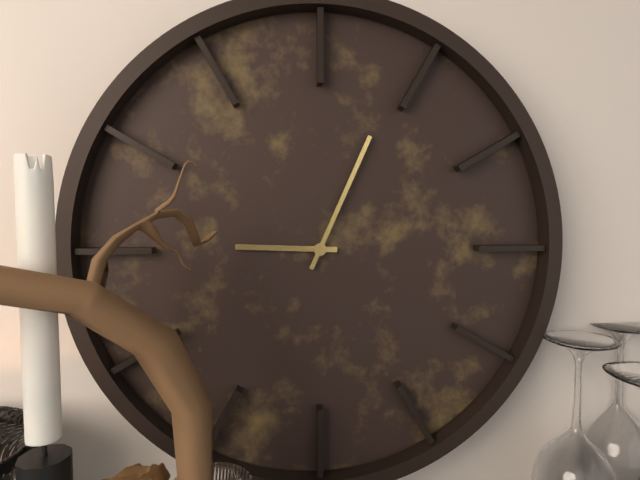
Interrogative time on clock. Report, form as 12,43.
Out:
9,04
